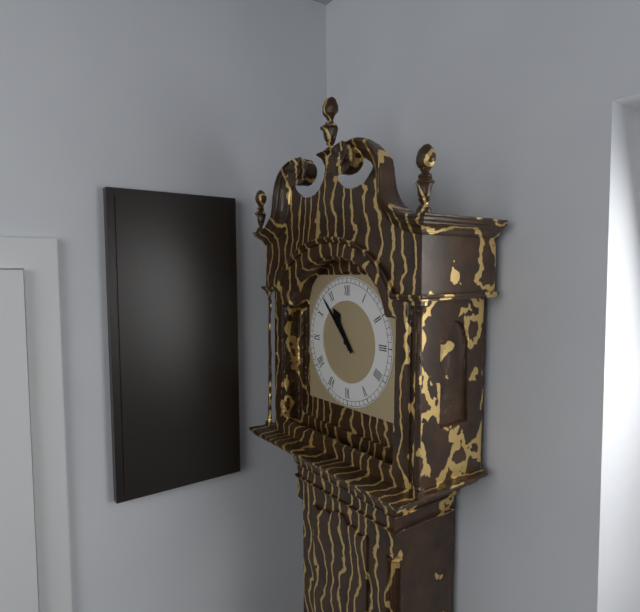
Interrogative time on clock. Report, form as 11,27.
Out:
10,53
